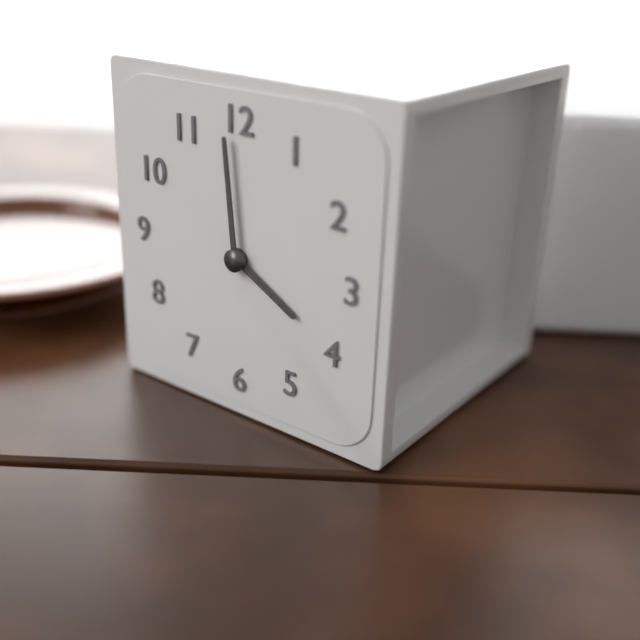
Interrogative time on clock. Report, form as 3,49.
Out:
3,59
